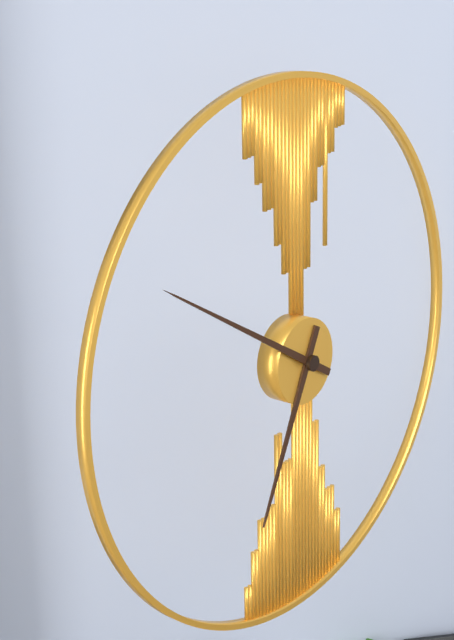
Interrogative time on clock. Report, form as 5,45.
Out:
6,50
